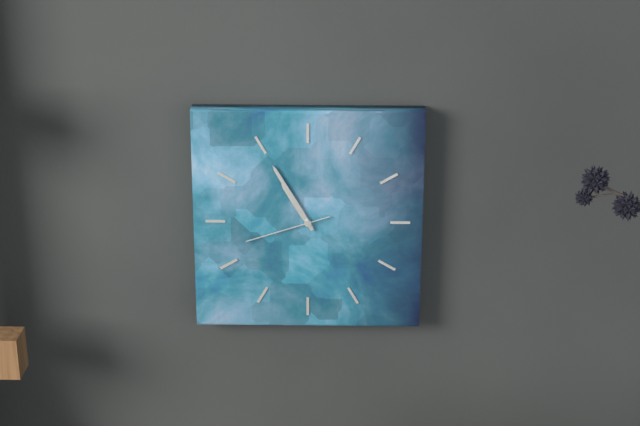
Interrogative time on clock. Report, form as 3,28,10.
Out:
10,55,42
